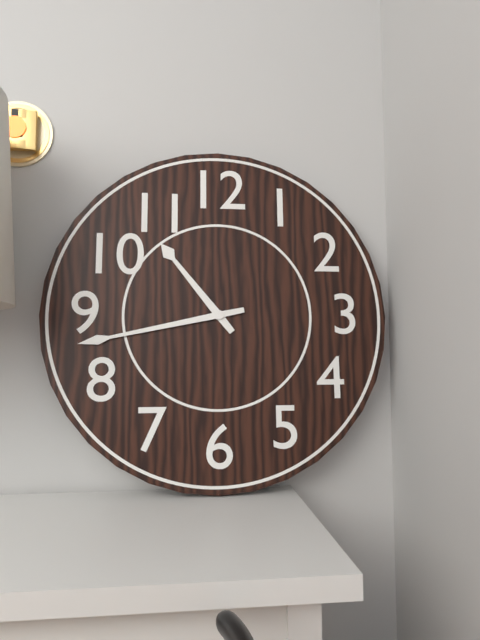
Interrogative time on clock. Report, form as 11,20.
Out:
10,43
